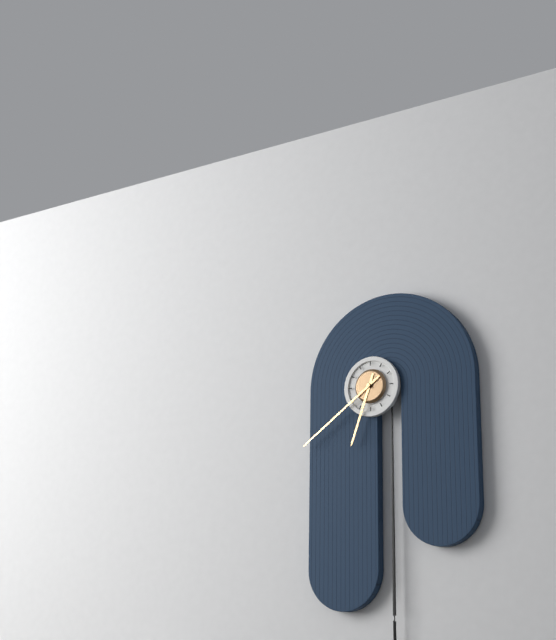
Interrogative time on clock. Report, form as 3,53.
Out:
6,39
